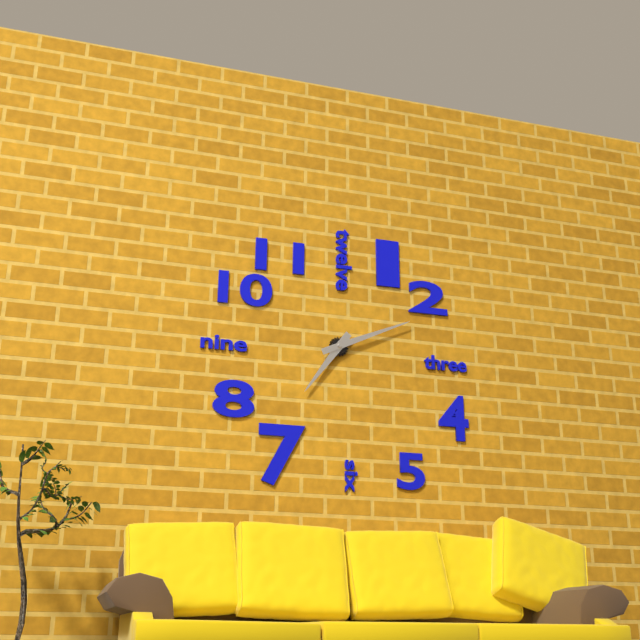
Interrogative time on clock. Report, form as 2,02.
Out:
7,11
